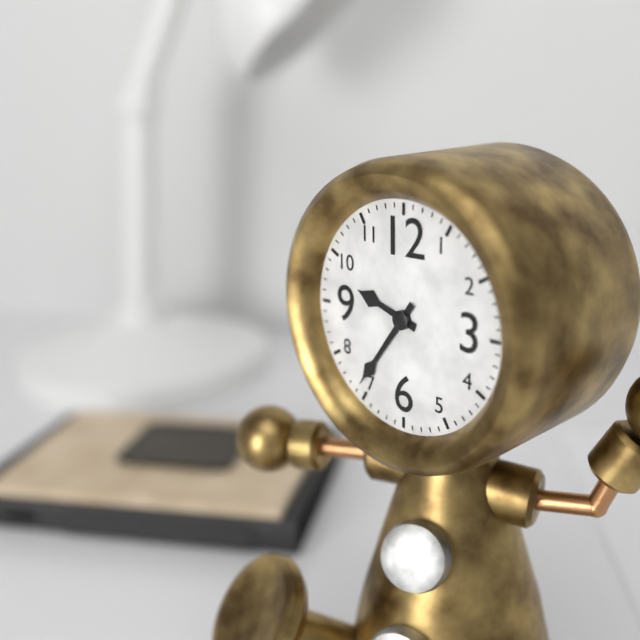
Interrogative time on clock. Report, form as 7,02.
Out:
9,36
